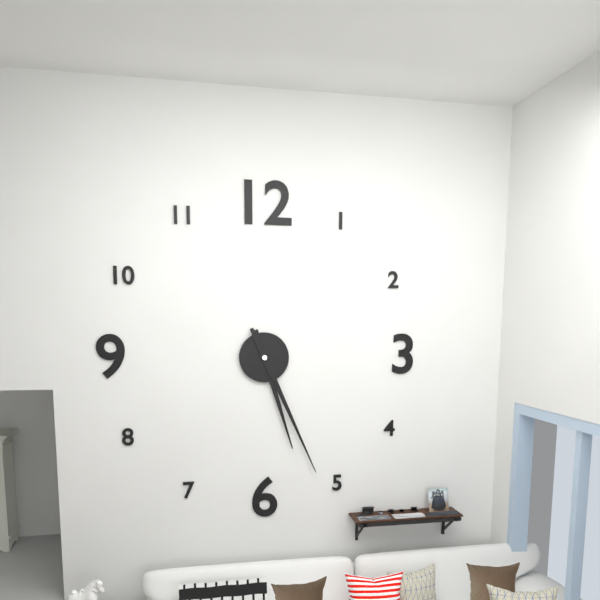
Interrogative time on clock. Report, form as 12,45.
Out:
5,26
